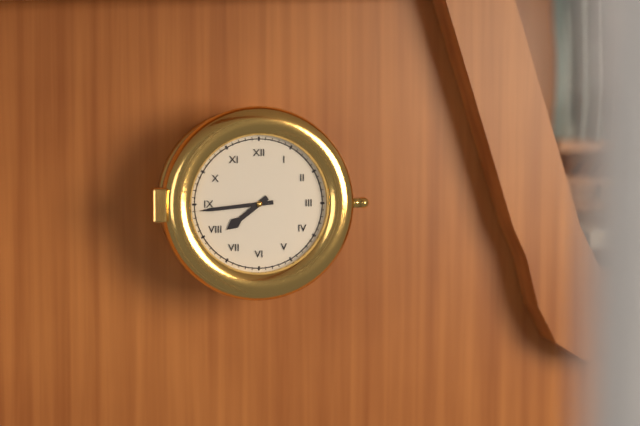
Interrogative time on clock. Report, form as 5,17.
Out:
7,44
